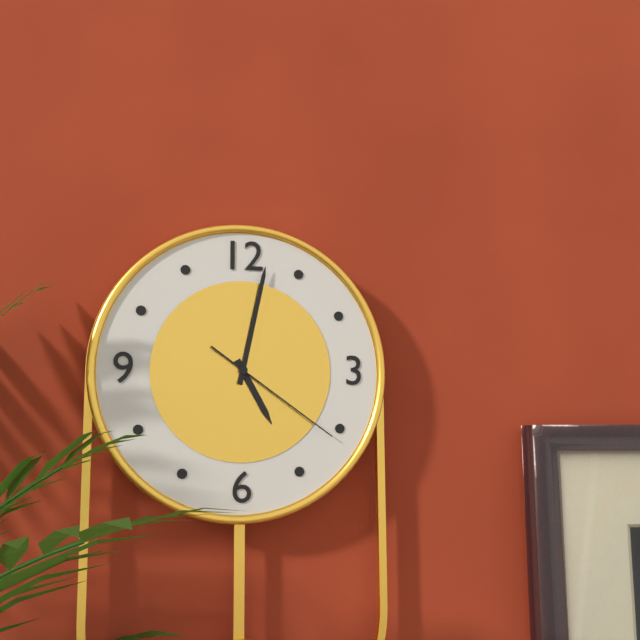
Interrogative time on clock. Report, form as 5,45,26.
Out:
5,02,21
